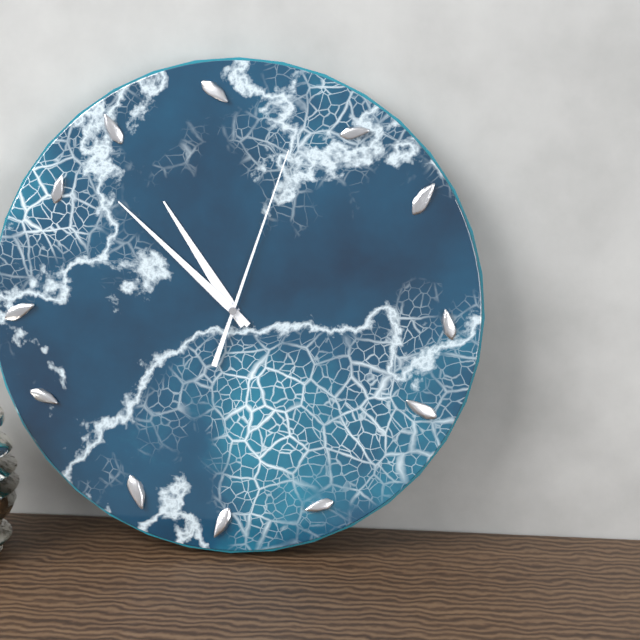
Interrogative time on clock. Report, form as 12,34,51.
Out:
10,52,03
